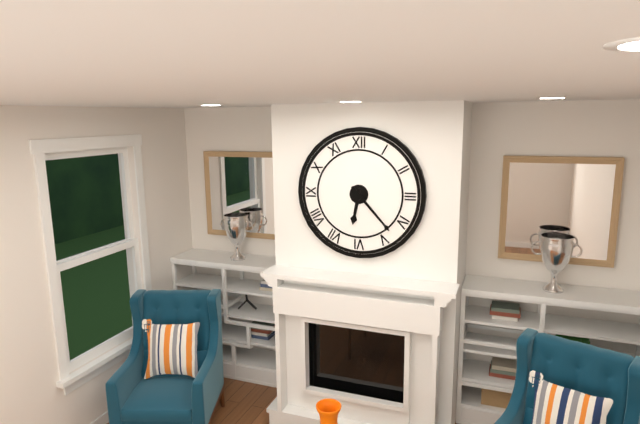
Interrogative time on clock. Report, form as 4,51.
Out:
6,23
